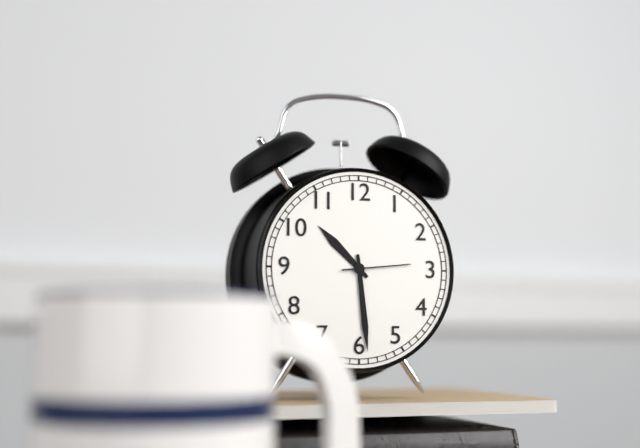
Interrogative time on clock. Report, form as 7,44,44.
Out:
10,29,14
